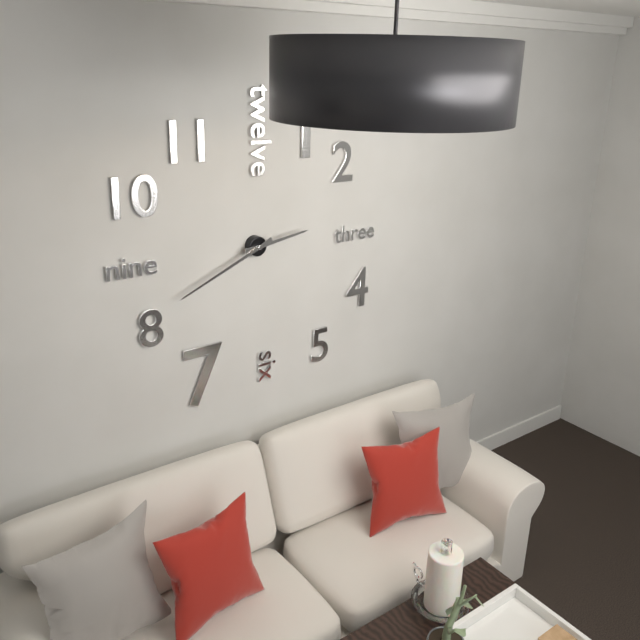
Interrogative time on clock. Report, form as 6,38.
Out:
2,41
